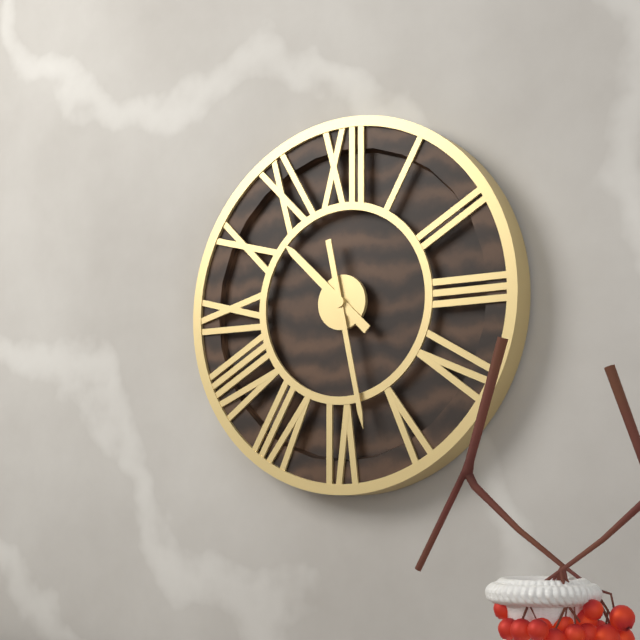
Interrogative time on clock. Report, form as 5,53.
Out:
10,28
